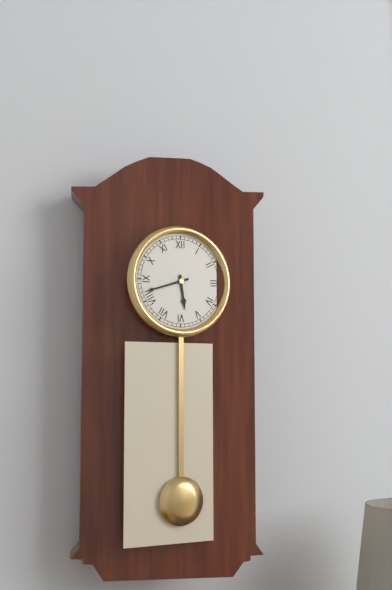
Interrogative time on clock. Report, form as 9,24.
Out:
5,42
